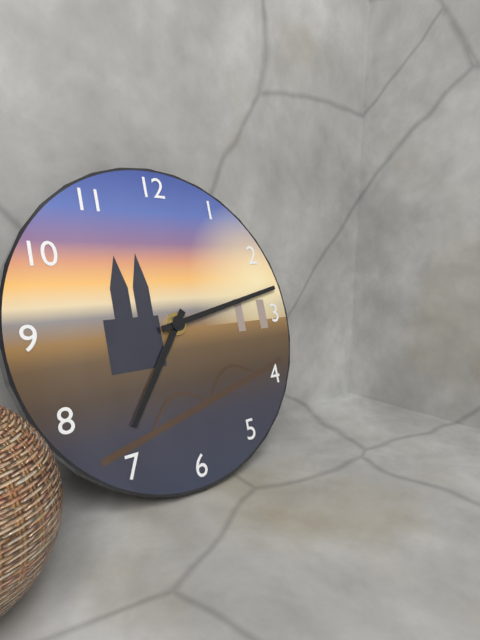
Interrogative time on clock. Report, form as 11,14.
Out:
7,13
